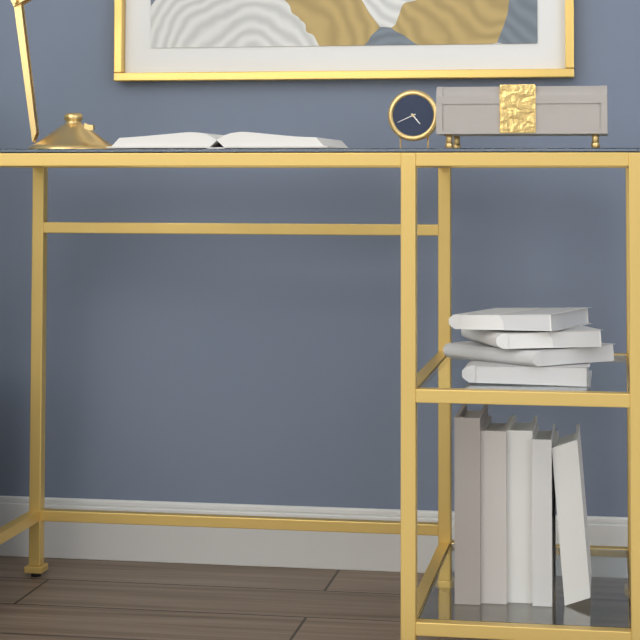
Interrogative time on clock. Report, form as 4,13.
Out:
4,41
